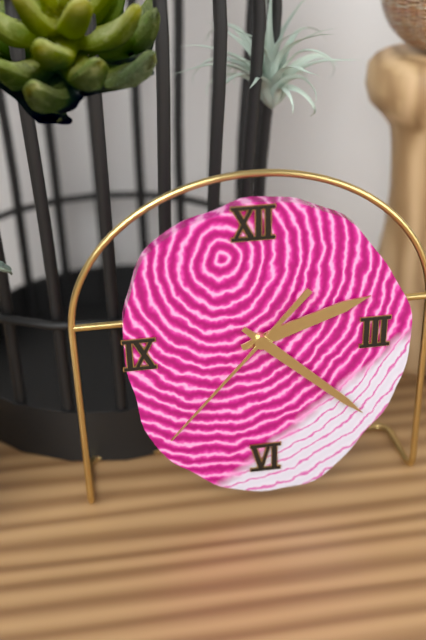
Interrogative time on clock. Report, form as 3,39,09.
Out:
2,22,37
